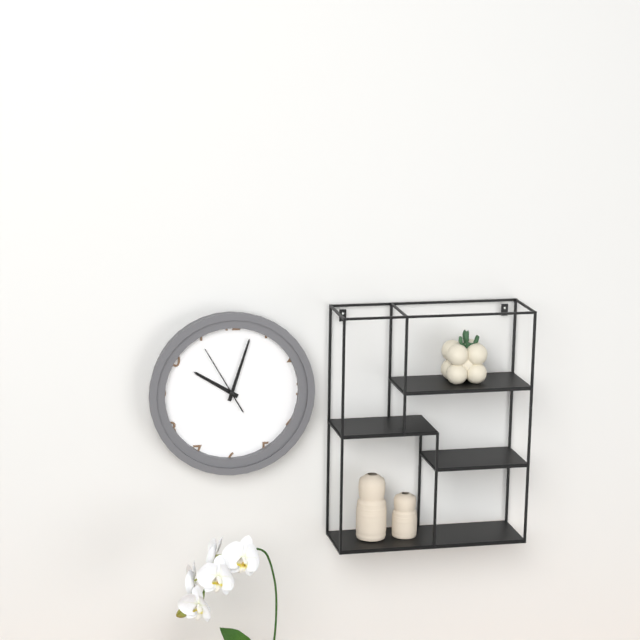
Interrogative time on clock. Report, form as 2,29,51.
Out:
10,03,55
